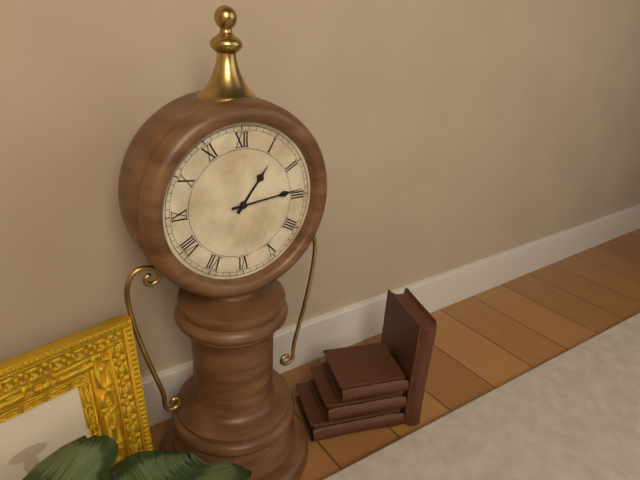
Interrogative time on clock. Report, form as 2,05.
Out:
1,14
